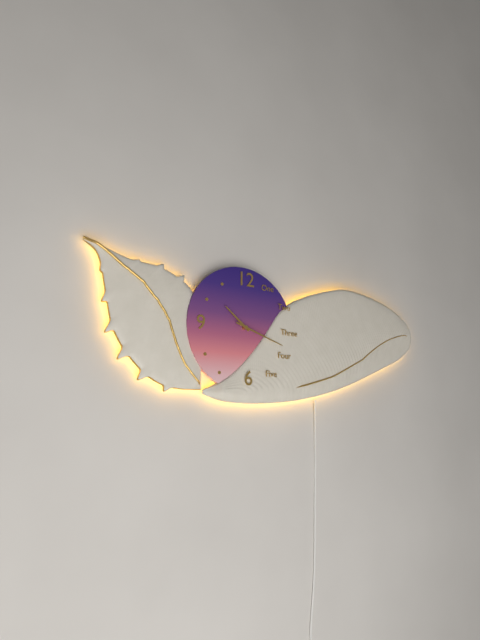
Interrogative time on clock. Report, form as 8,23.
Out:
10,18
